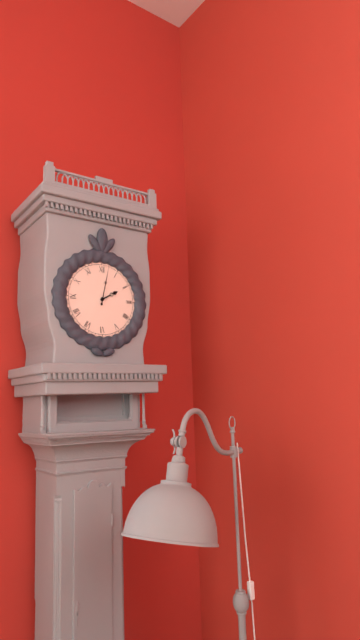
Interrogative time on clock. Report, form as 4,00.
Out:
2,02
